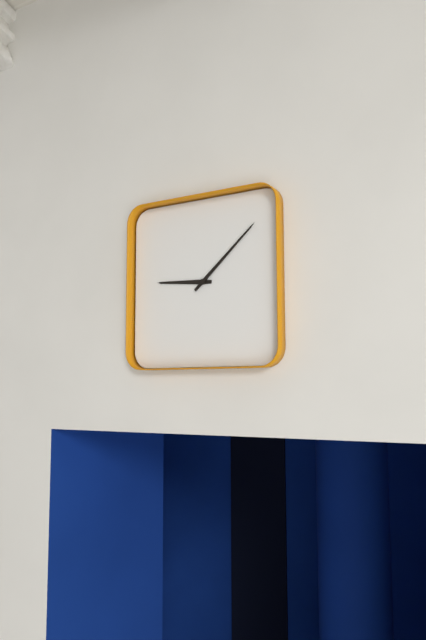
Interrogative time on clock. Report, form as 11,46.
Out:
9,08
